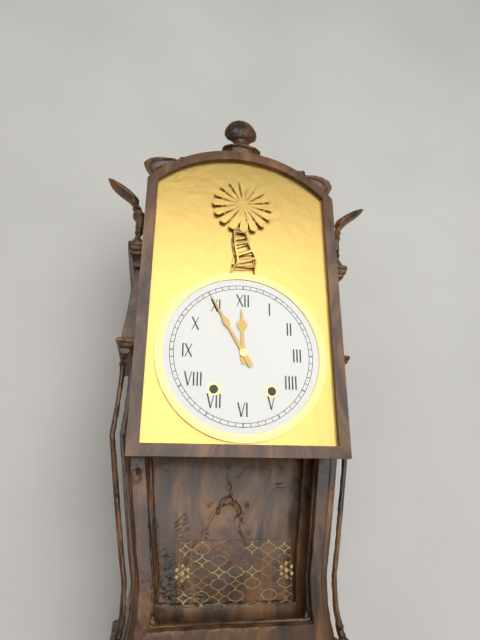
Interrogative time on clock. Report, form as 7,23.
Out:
11,55
